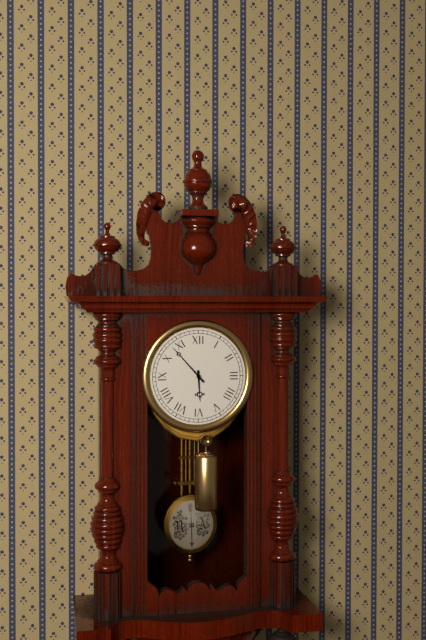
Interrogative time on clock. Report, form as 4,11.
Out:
5,53
